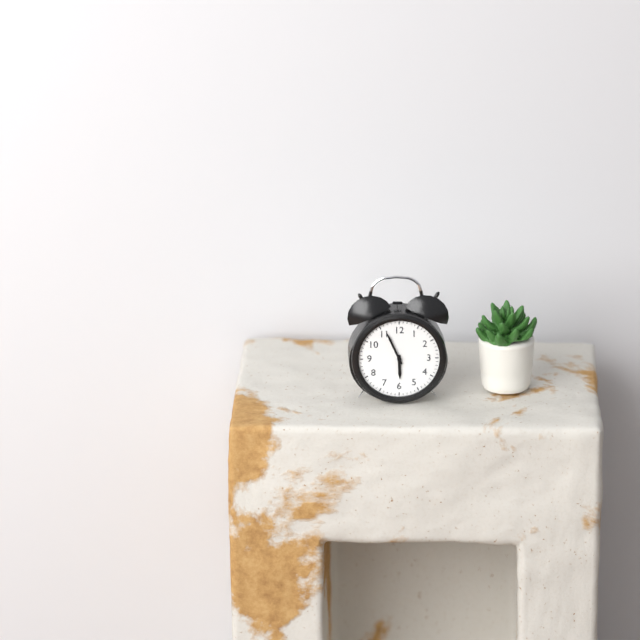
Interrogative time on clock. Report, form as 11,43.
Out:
5,56
